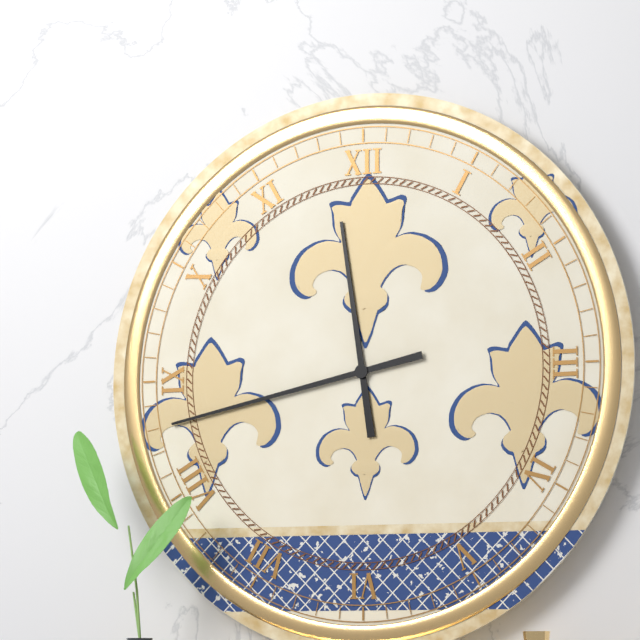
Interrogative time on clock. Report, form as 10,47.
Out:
11,43
